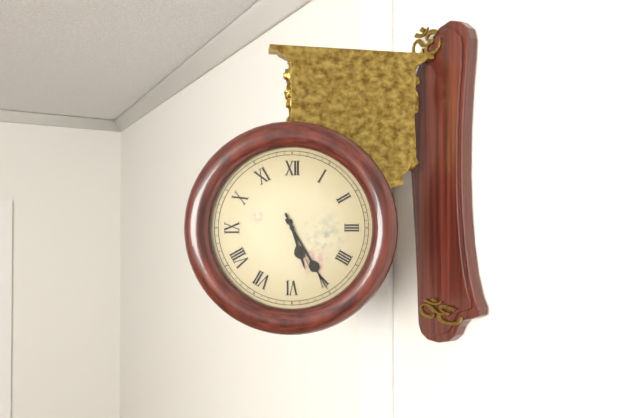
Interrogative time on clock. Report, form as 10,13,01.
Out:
5,25,26
